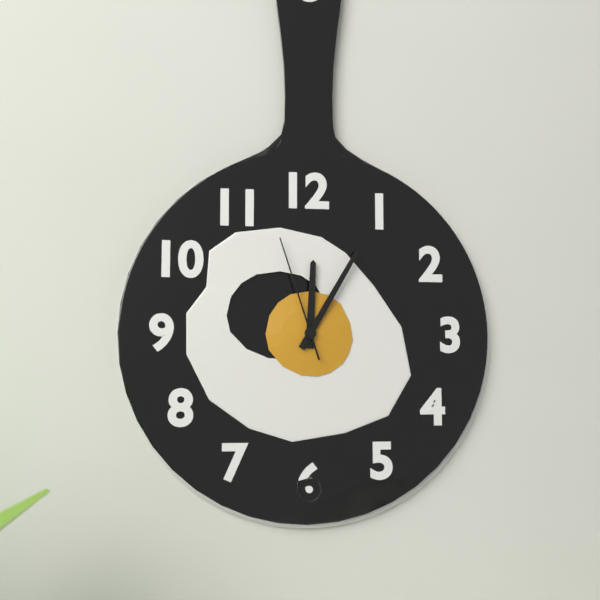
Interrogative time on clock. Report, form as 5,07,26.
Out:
12,05,57
